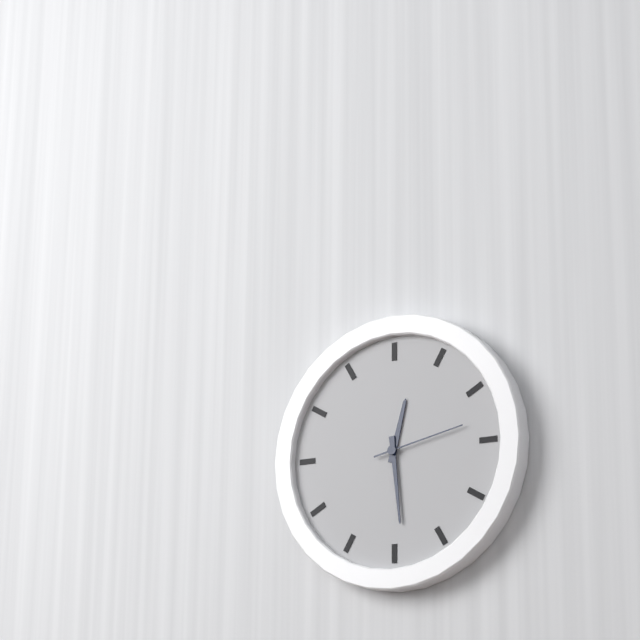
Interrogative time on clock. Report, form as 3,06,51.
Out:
12,29,13
